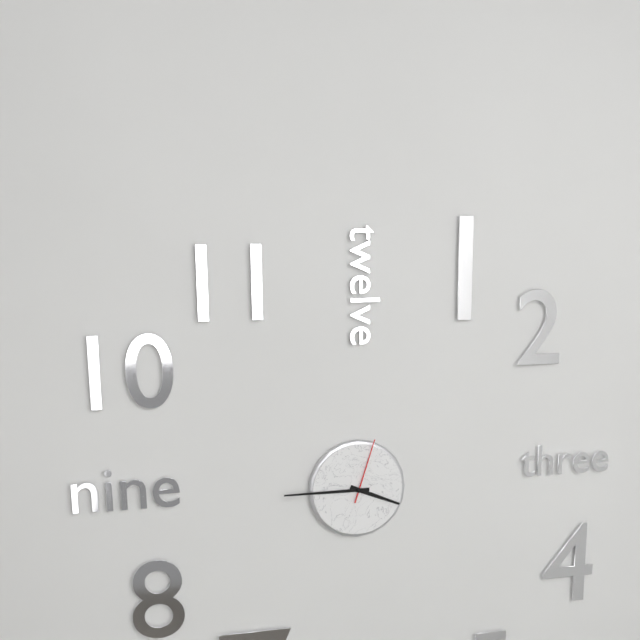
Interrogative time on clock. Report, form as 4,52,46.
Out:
3,45,03
